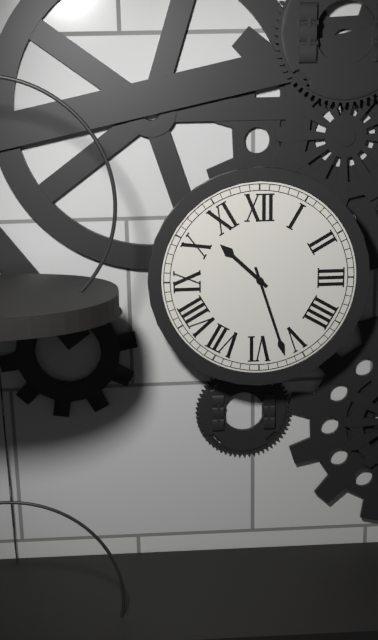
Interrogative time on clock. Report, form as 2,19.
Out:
10,27
